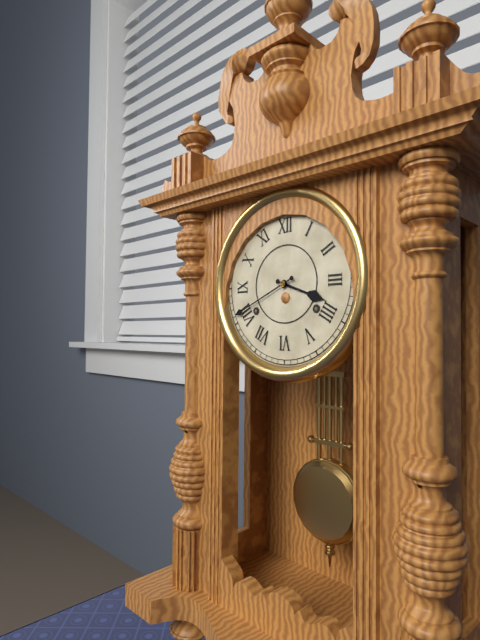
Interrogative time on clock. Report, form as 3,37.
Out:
3,41
